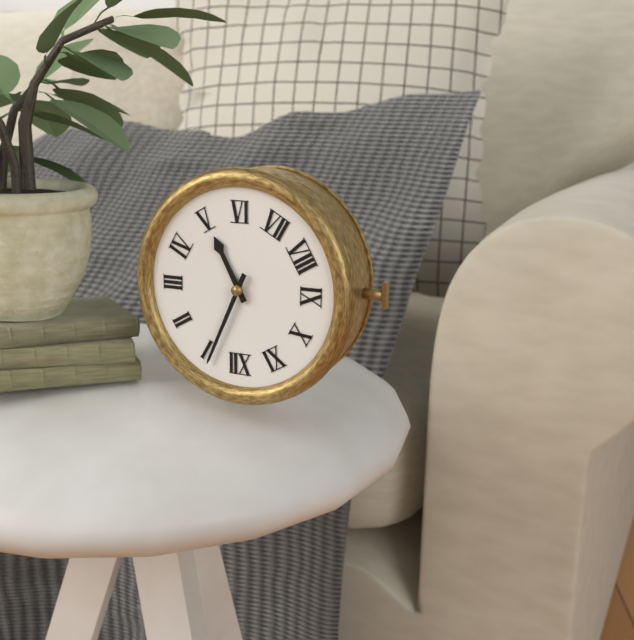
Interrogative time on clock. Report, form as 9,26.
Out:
5,04
